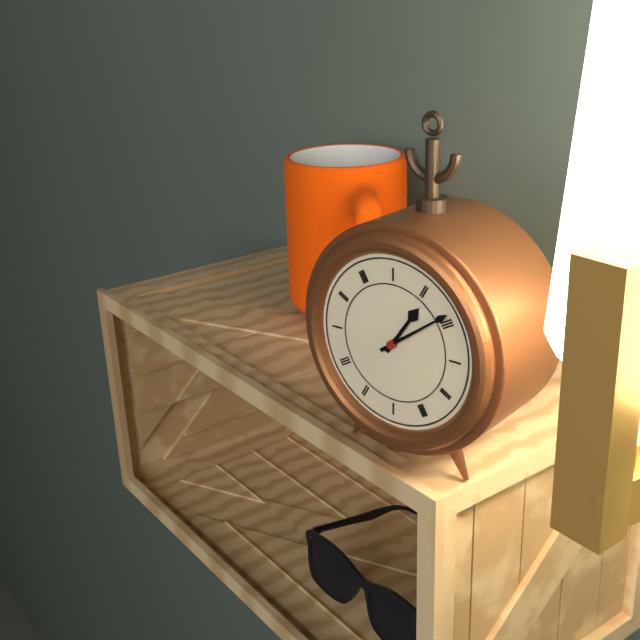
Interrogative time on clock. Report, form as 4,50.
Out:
1,09
